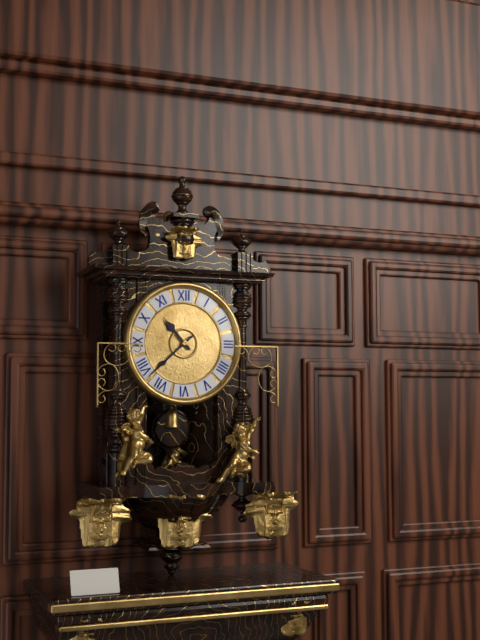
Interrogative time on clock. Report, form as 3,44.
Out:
10,38
